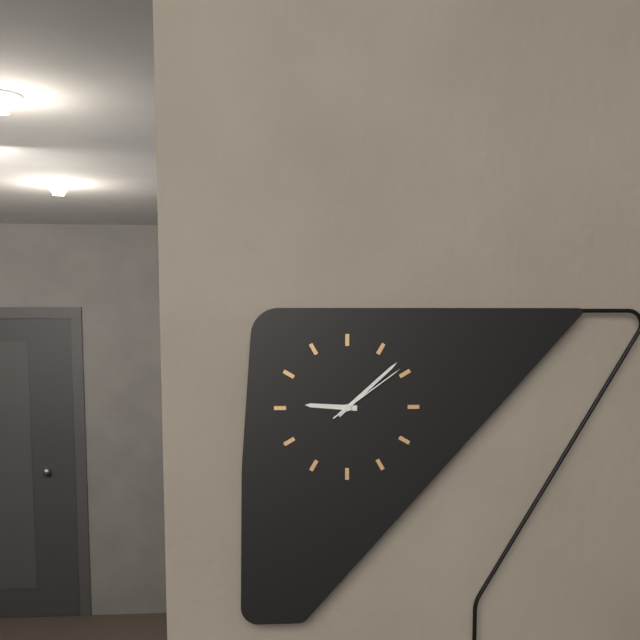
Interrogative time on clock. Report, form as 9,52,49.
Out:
9,08,09
